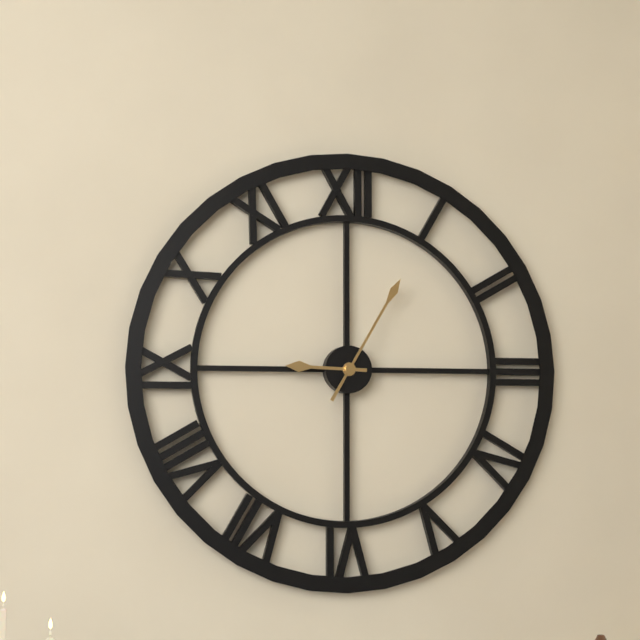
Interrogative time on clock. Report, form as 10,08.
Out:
9,05
